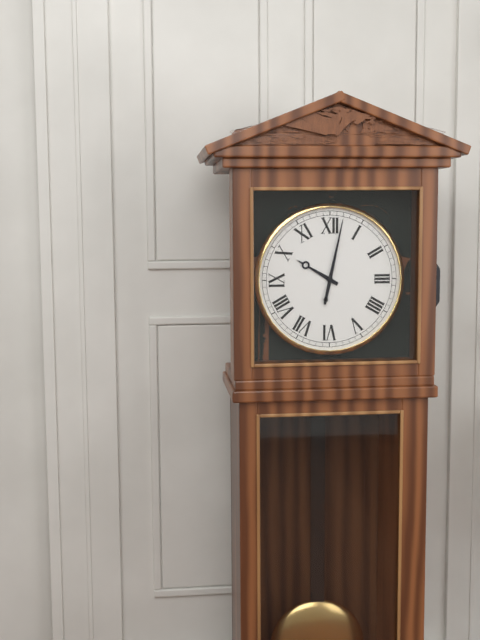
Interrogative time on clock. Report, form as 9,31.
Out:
10,02
